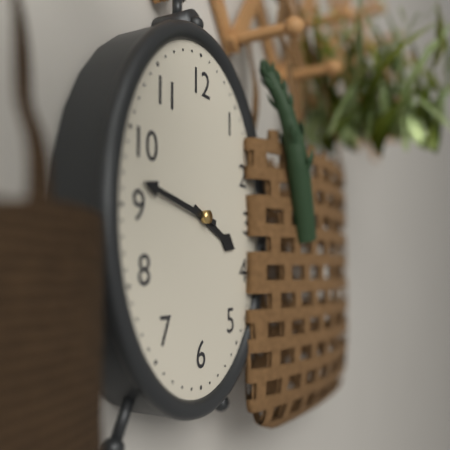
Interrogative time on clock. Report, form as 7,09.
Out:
3,47
